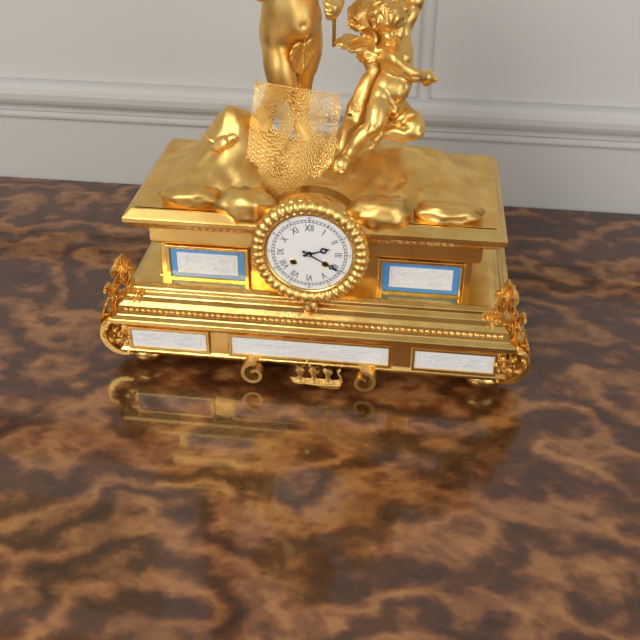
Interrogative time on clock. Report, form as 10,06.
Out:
2,20
